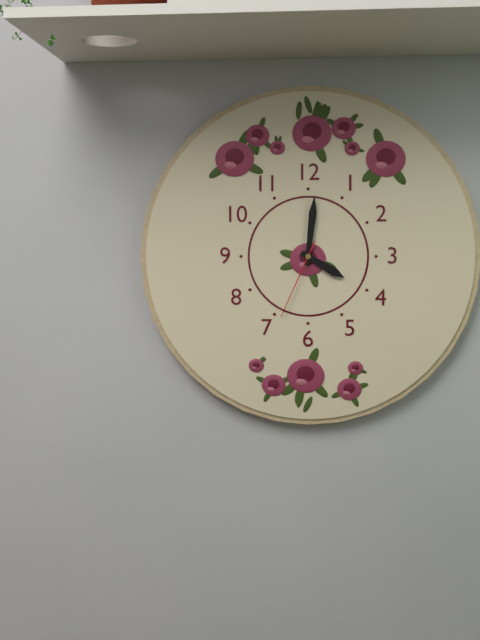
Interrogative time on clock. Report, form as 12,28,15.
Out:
4,01,34
